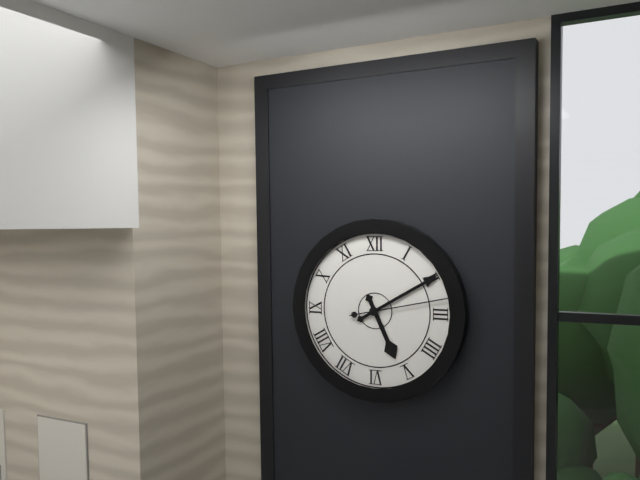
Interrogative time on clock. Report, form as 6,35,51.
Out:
5,10,13
